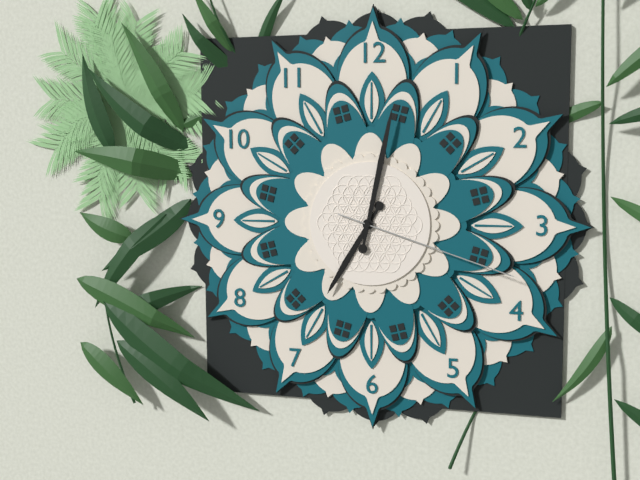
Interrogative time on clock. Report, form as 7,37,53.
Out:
7,02,18
